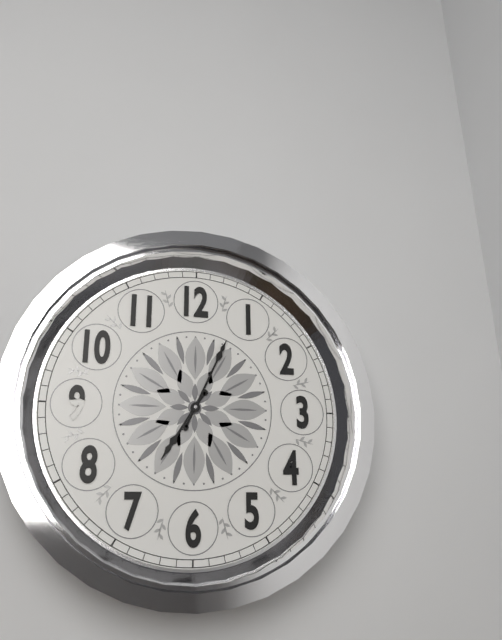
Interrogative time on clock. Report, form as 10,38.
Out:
7,04
